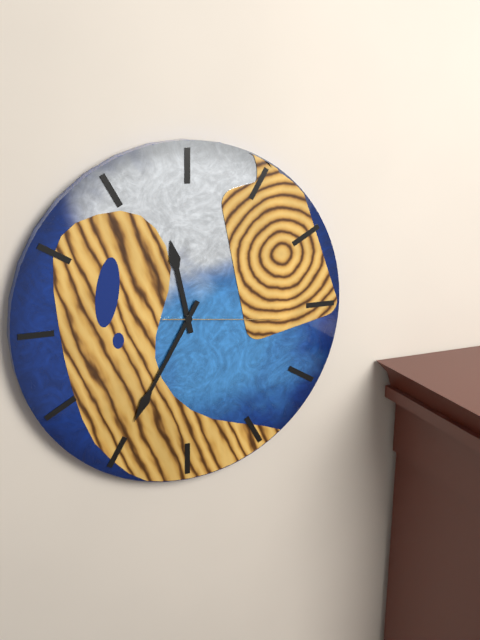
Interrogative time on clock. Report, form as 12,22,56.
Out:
11,35,16
